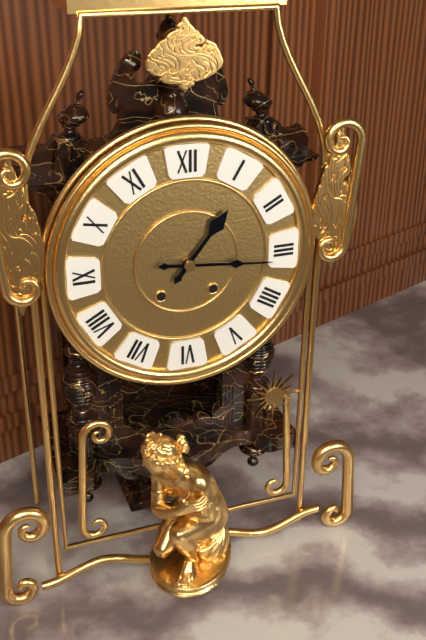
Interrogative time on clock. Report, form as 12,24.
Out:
1,16
